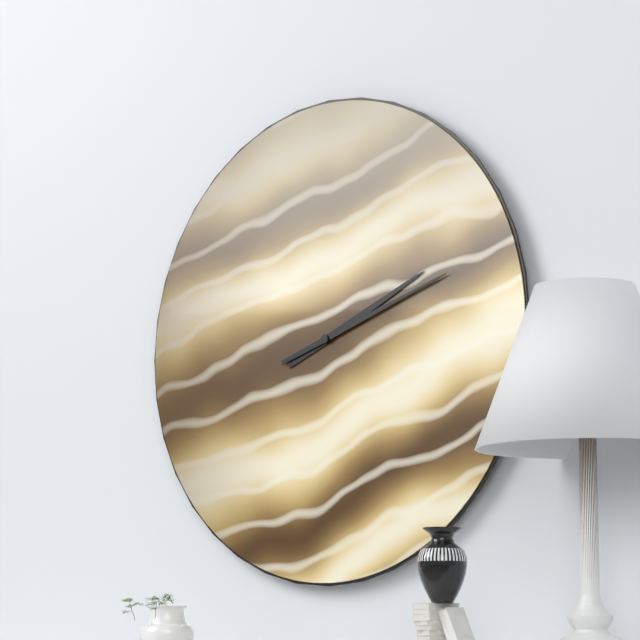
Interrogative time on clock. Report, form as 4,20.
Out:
2,12
